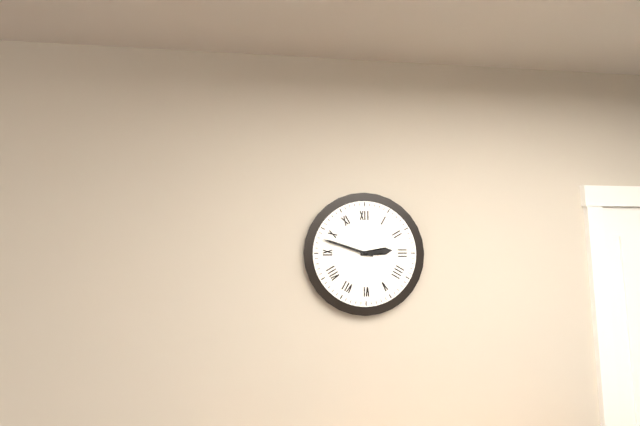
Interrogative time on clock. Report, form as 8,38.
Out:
2,48
